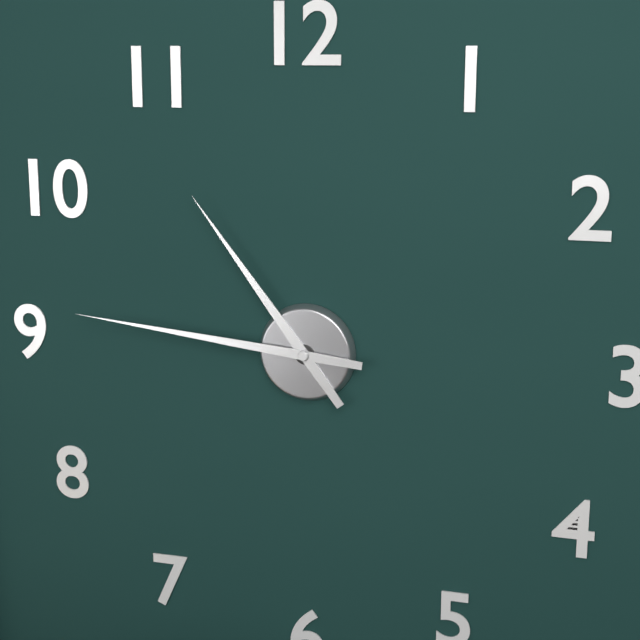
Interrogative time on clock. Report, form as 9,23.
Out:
10,46
